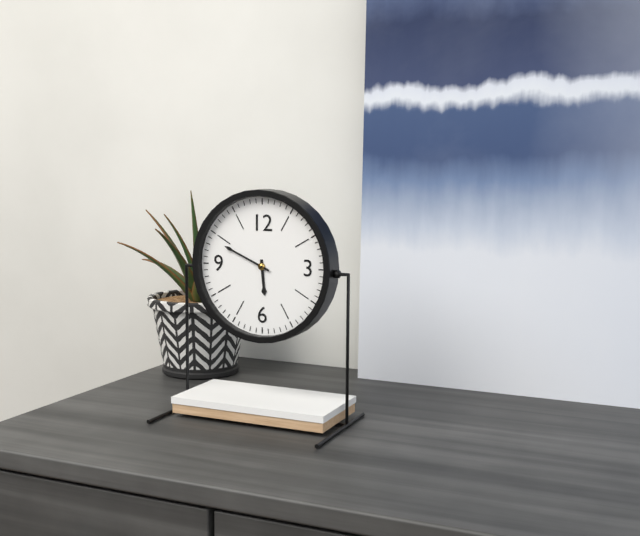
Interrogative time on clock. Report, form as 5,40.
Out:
5,49
